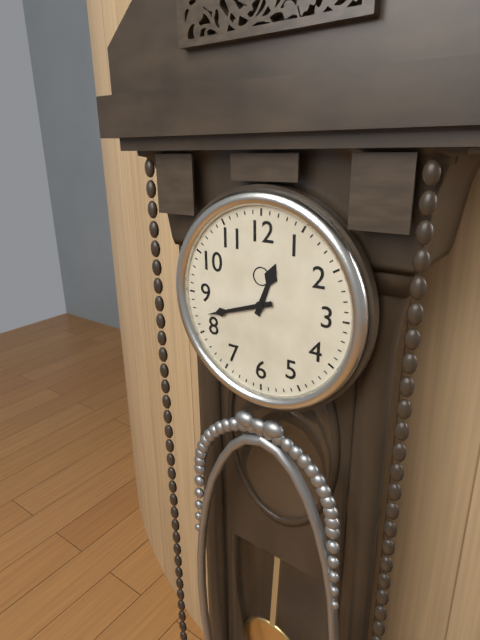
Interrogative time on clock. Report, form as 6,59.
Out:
12,42
